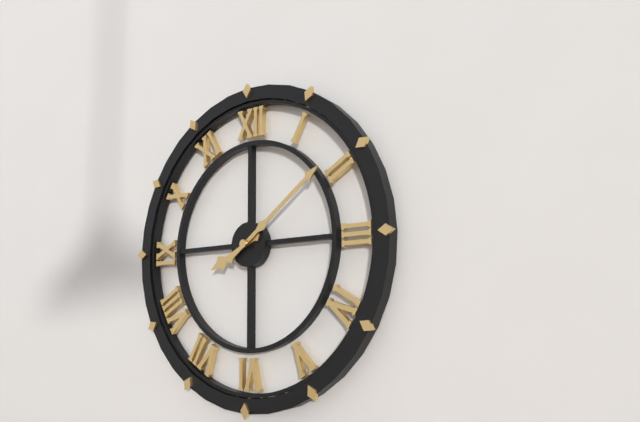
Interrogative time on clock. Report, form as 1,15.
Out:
8,09
